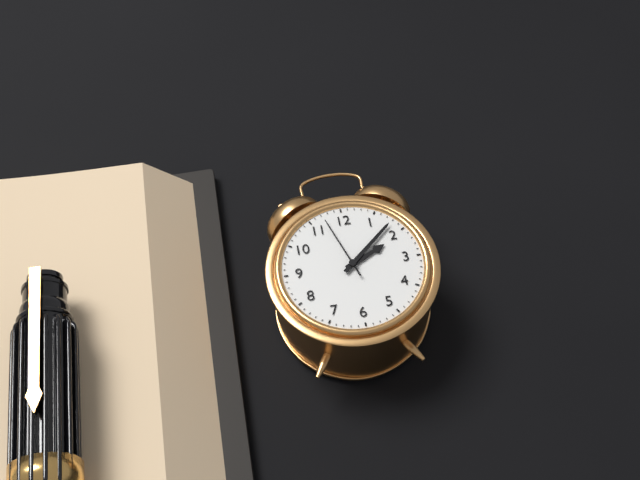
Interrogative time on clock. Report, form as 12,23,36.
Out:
2,08,57
